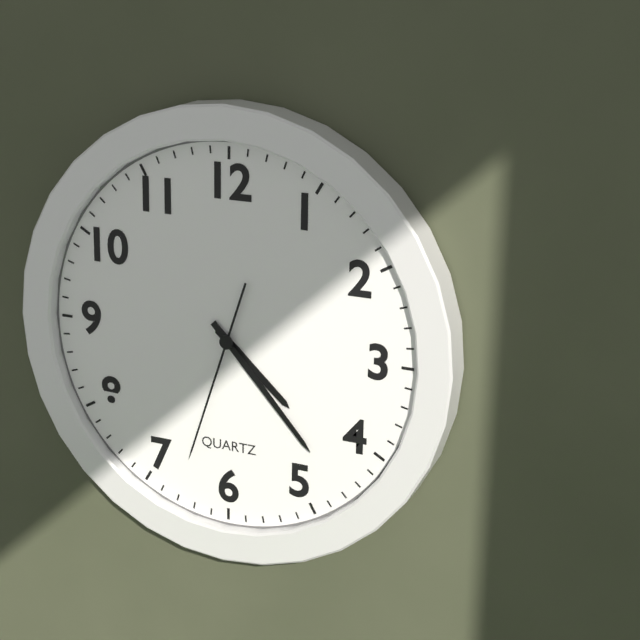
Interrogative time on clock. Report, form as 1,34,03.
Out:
4,23,33
